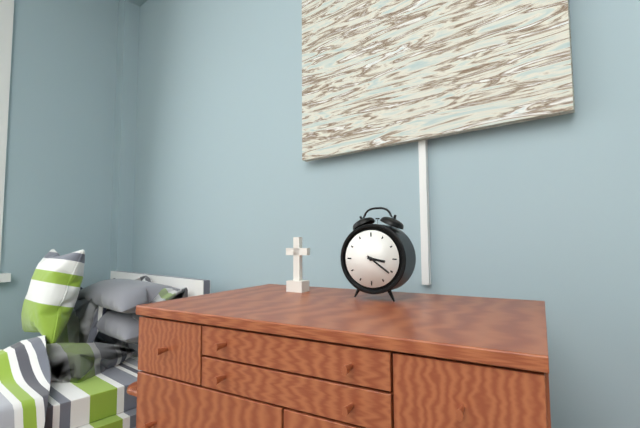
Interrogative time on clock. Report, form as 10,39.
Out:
3,21
